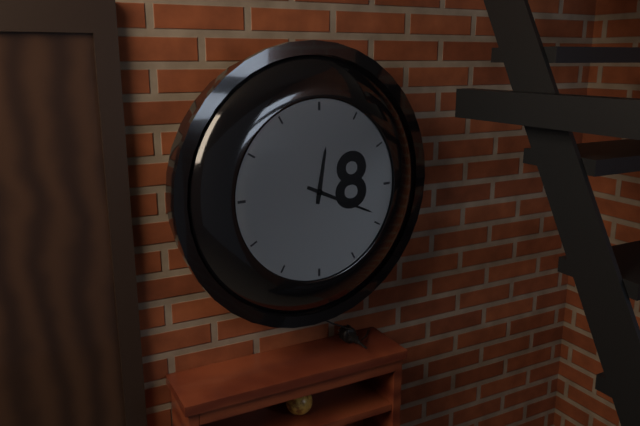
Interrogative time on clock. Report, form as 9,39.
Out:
12,19
